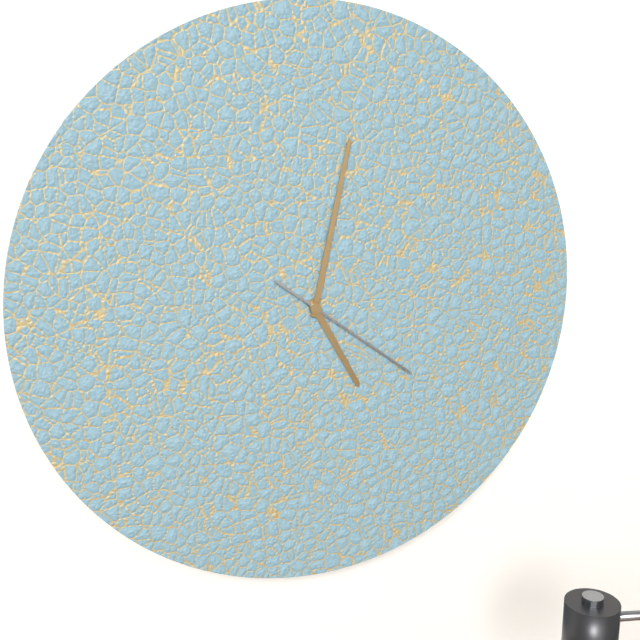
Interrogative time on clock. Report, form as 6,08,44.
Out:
5,02,21
